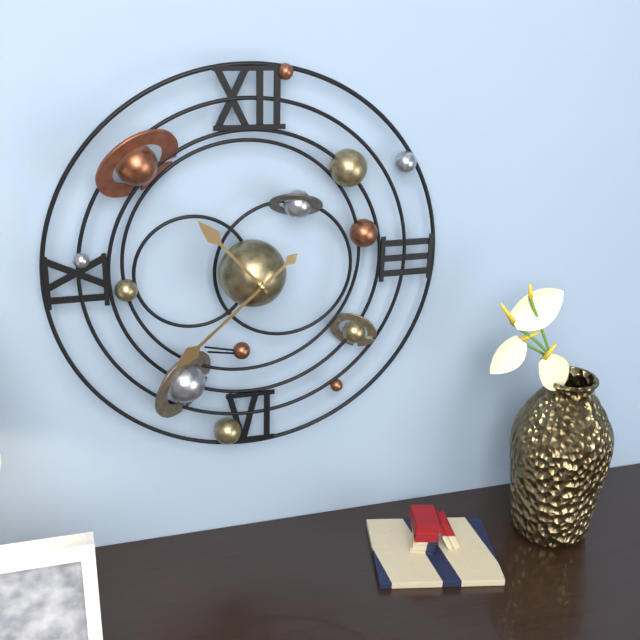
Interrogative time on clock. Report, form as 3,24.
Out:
10,38
